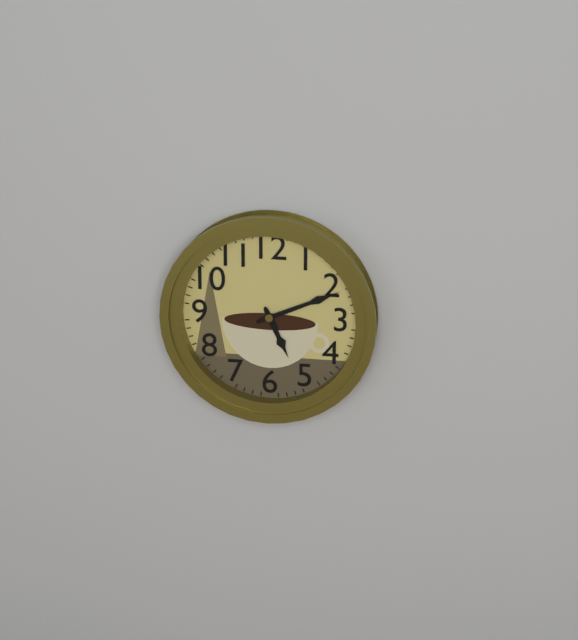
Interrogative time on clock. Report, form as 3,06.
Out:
5,11
